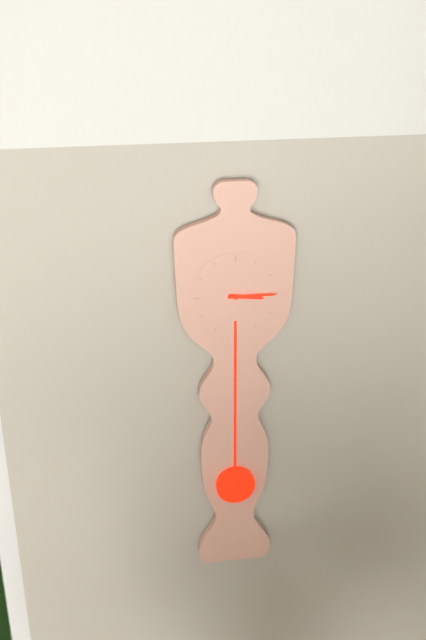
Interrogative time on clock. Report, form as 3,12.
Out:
3,15
